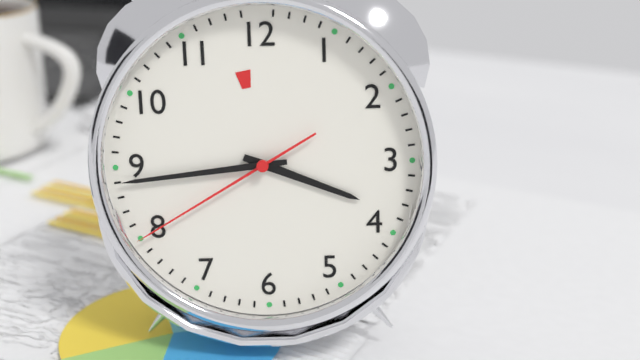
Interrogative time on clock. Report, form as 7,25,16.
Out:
3,44,40
